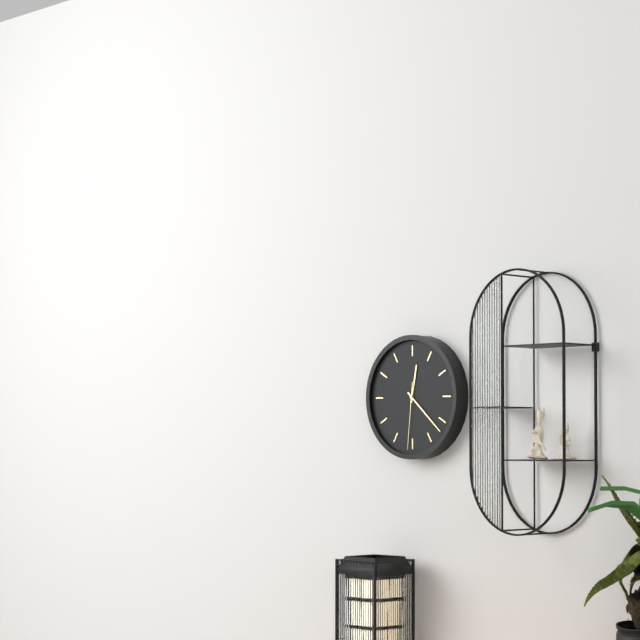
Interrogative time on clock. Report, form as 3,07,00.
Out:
12,22,31
